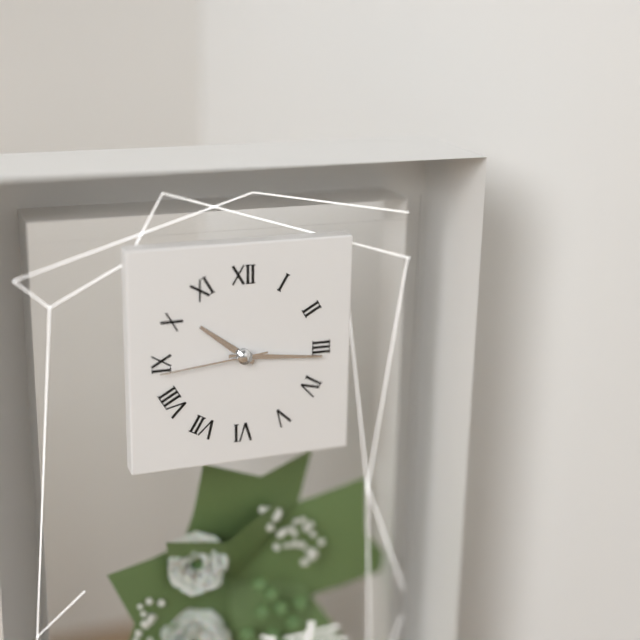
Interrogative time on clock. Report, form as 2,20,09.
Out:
10,16,44
